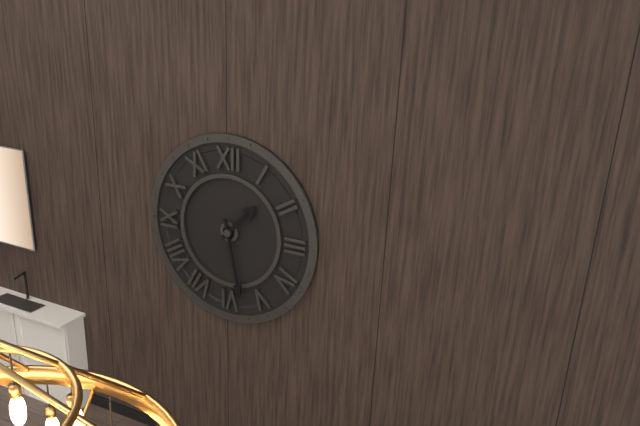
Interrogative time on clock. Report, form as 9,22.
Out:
1,28
